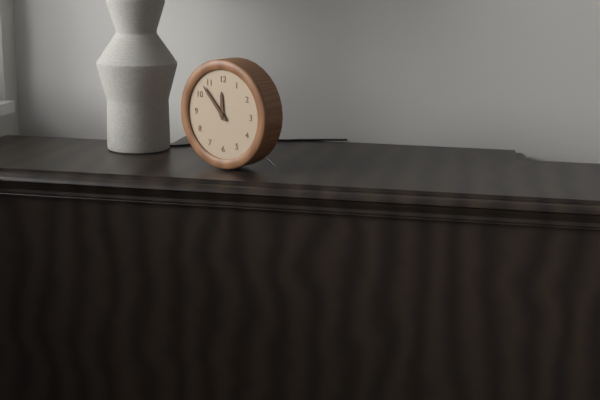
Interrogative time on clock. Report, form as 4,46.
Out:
11,53
